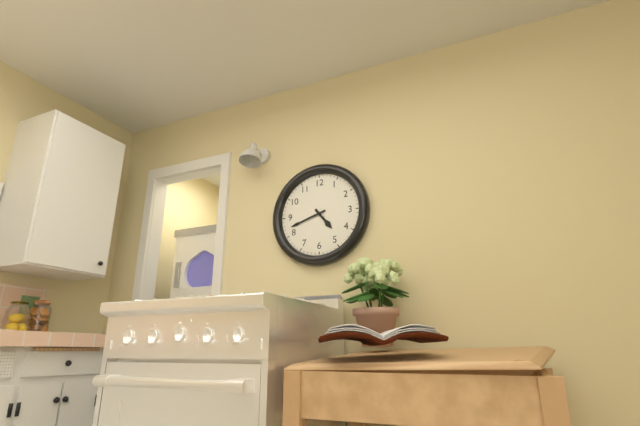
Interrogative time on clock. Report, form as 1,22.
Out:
4,42
